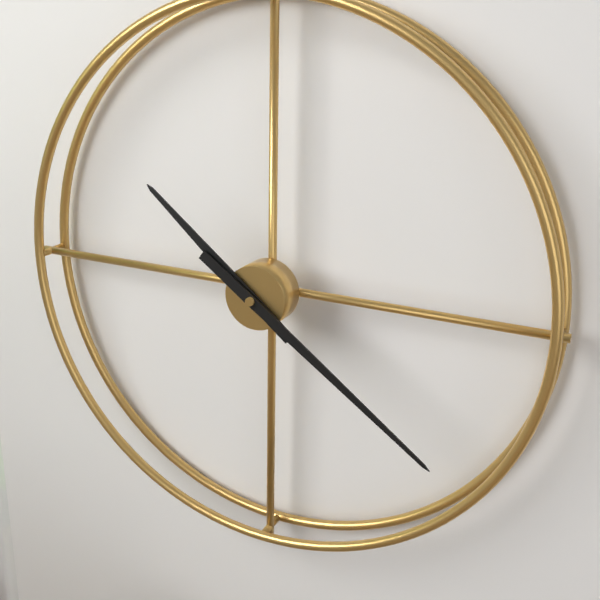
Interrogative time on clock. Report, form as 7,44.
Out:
10,21
